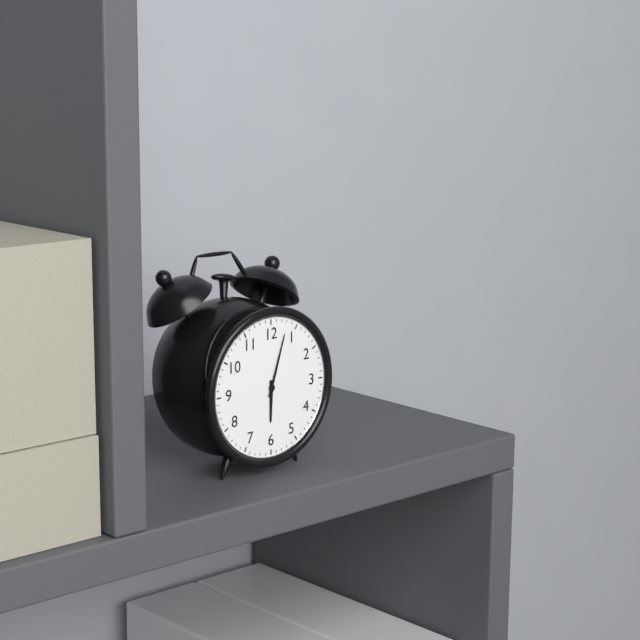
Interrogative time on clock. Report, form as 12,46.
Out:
6,03
